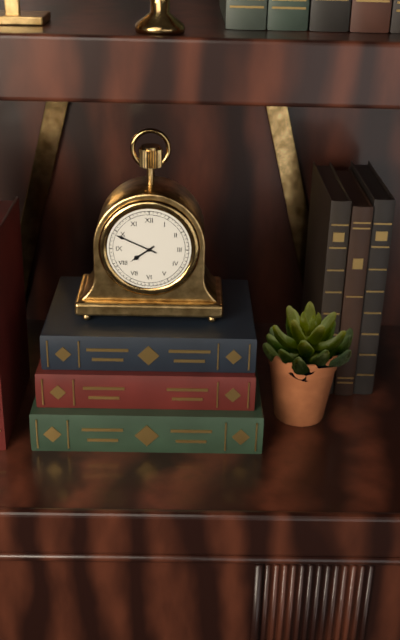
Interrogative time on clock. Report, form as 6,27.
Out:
7,49
